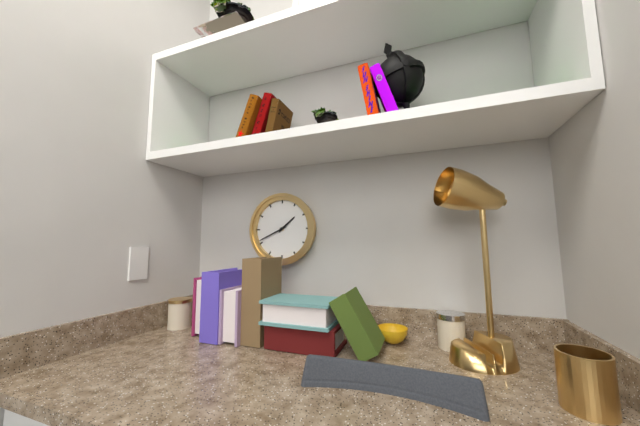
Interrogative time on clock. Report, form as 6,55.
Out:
1,41
